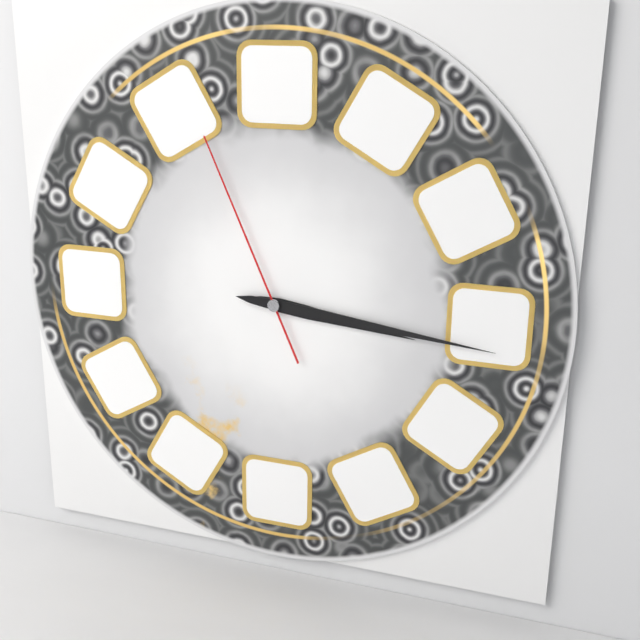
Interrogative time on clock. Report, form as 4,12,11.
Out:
3,16,56
